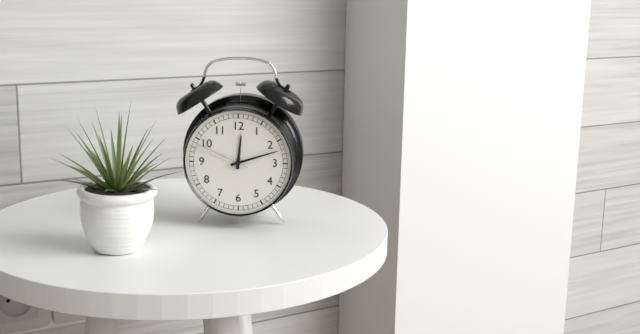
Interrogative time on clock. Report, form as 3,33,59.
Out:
12,12,49
